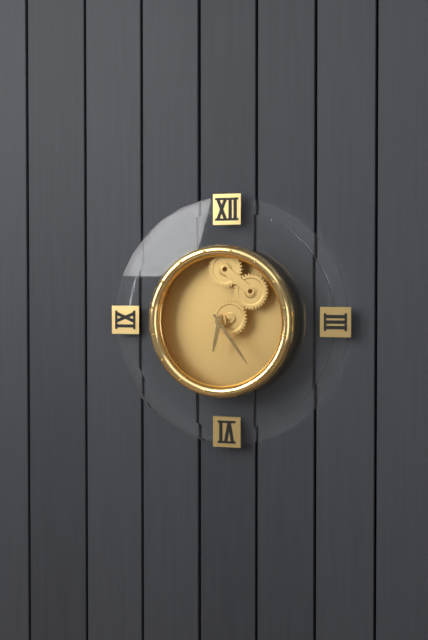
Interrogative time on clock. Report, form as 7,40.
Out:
6,24
